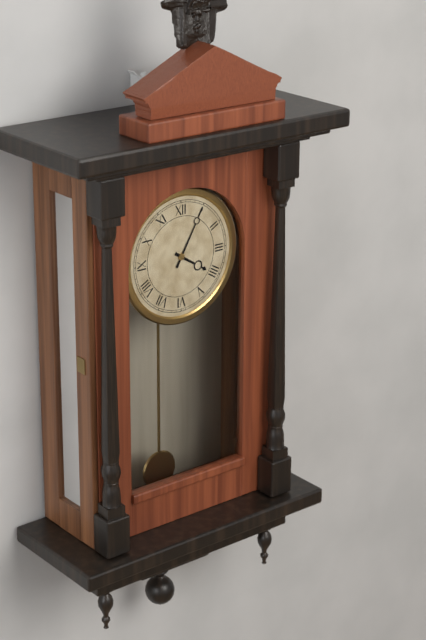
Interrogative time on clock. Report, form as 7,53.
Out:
4,05
